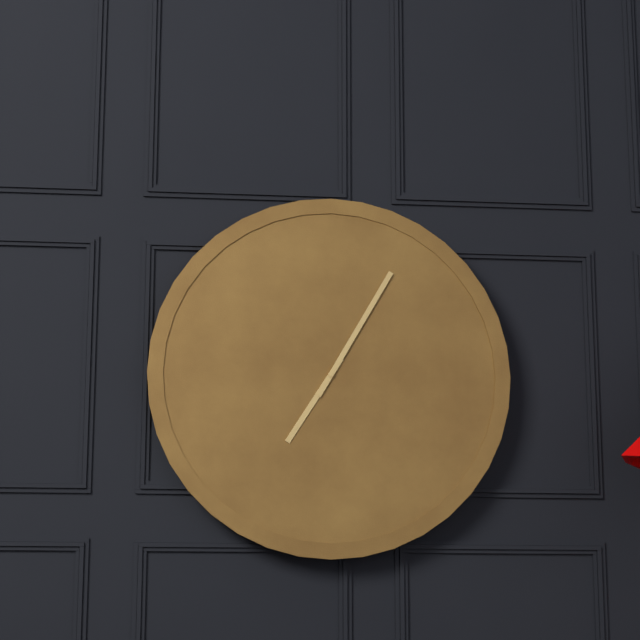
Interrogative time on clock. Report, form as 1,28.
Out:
7,05
